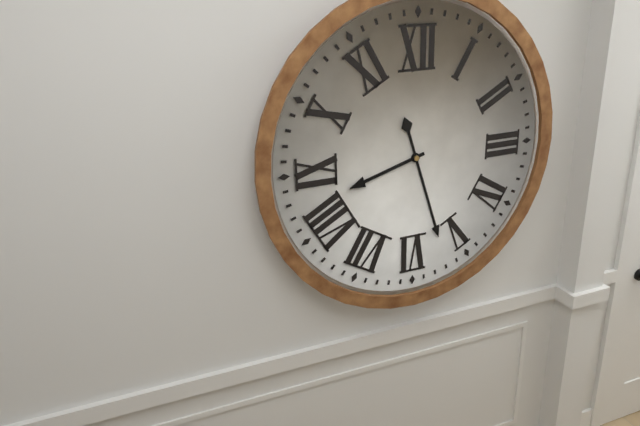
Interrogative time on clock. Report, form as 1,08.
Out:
8,27
